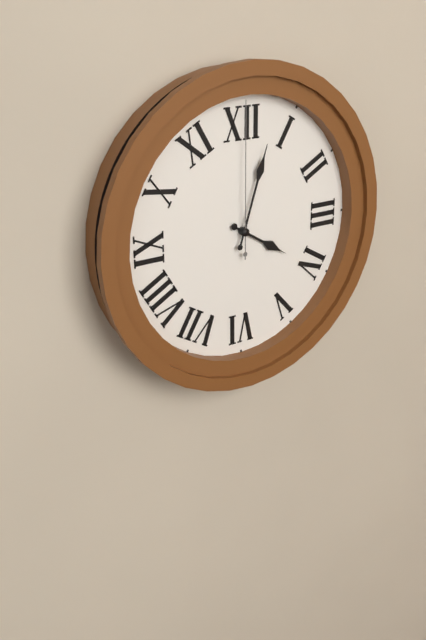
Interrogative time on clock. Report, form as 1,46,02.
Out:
4,03,00
